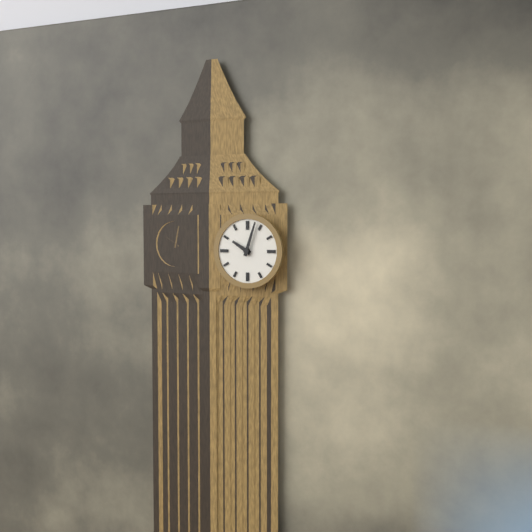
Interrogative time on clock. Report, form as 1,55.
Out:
10,03
